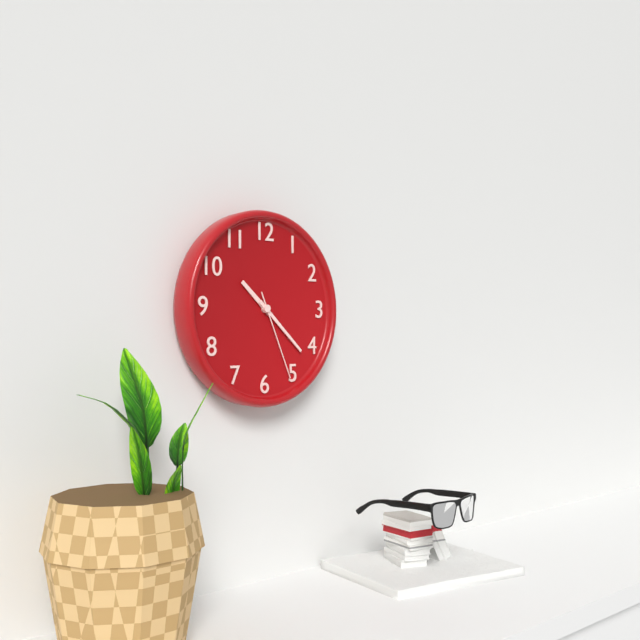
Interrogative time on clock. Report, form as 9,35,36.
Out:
10,22,26
